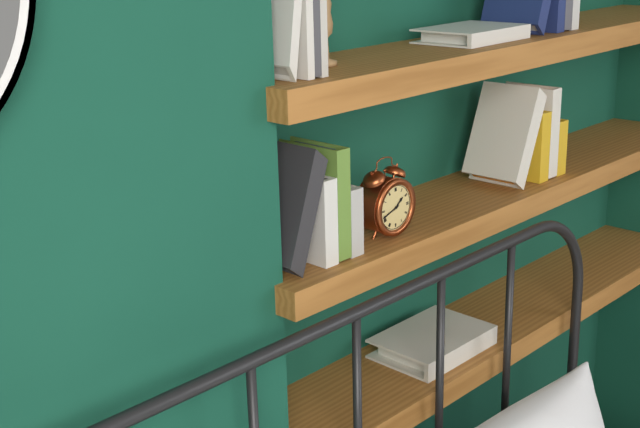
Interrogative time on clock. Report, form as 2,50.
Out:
1,42
